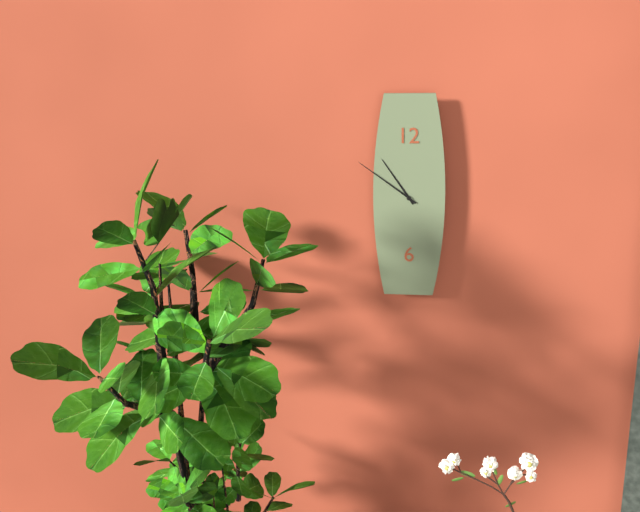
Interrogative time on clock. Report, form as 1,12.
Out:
10,51
